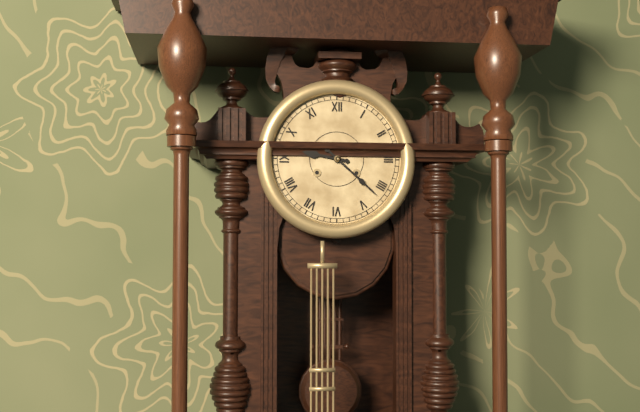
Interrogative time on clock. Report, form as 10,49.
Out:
9,22
